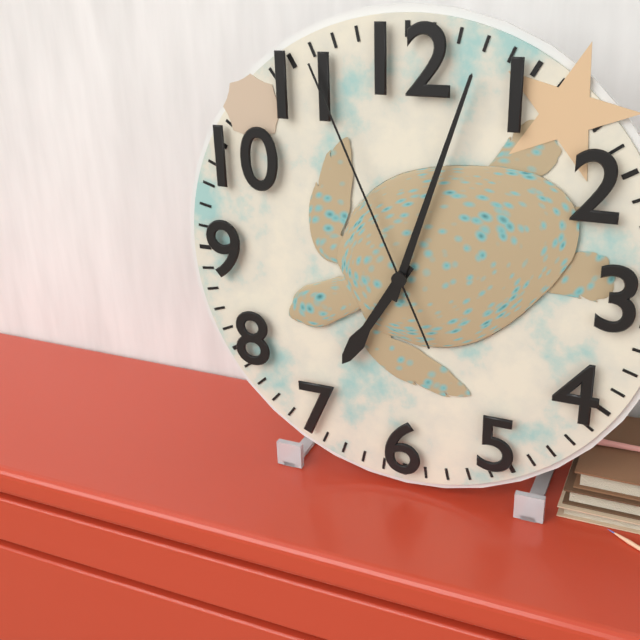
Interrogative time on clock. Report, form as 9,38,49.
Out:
7,03,56
